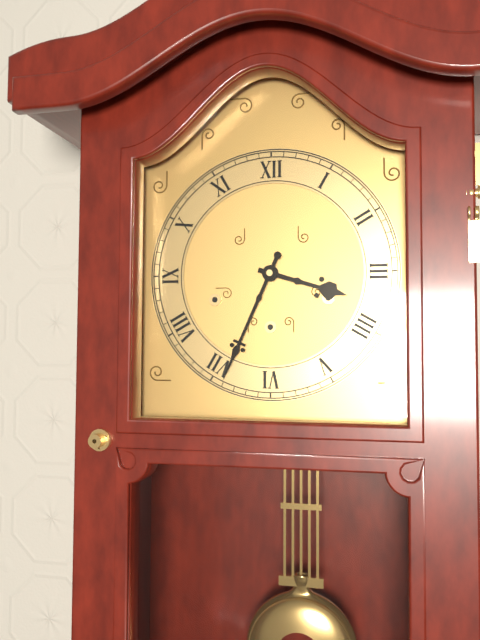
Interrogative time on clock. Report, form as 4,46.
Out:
3,34
